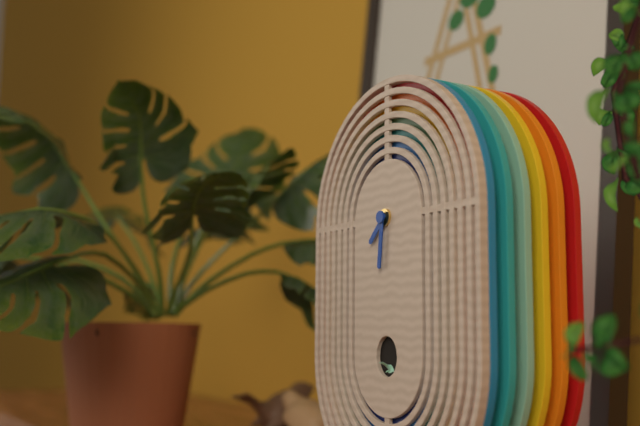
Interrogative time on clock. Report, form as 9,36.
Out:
7,31
